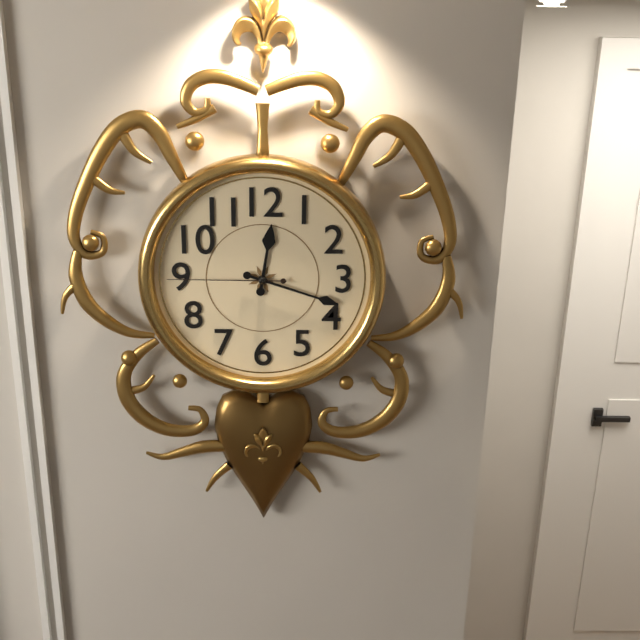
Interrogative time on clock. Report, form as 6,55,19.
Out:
12,18,45
